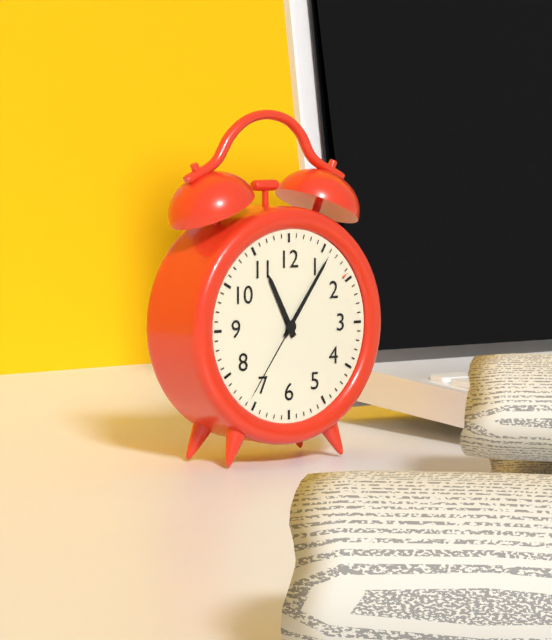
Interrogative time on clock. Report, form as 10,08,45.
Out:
11,06,36
